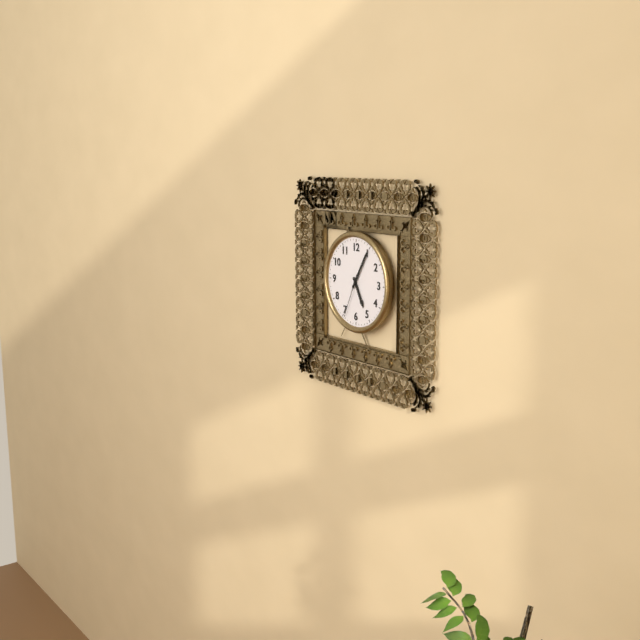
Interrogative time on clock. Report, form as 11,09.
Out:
5,05
